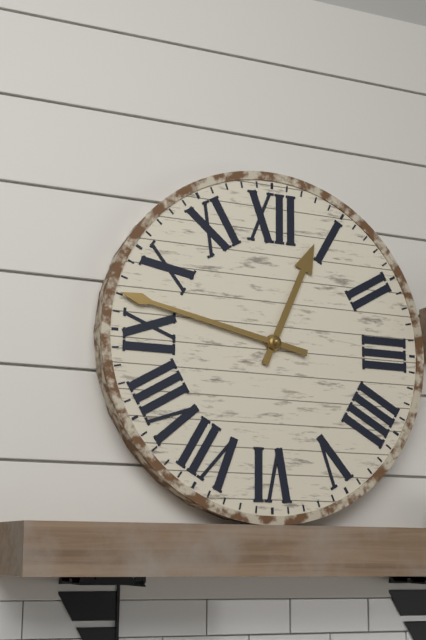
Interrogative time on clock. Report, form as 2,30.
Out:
12,47
